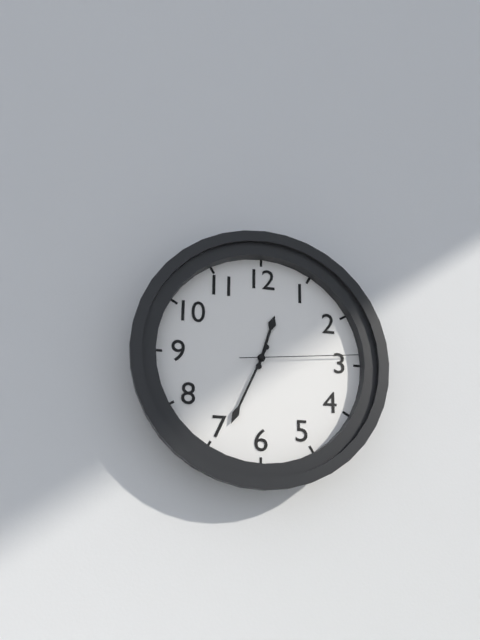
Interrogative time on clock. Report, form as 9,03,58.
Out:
12,34,14
